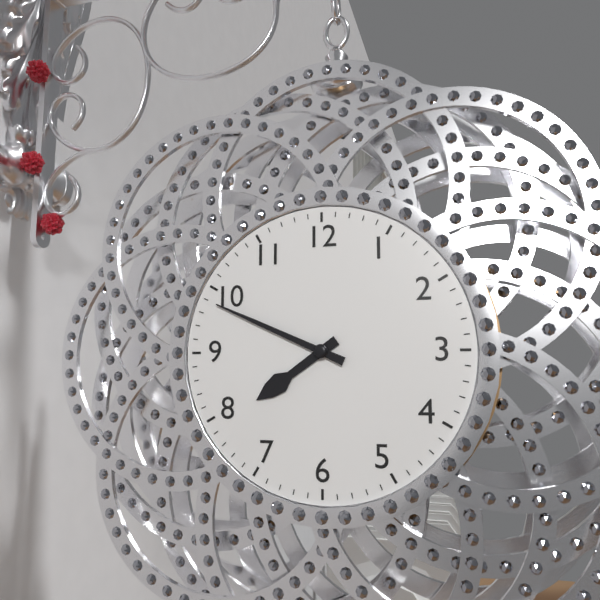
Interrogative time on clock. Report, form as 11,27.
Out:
7,49
